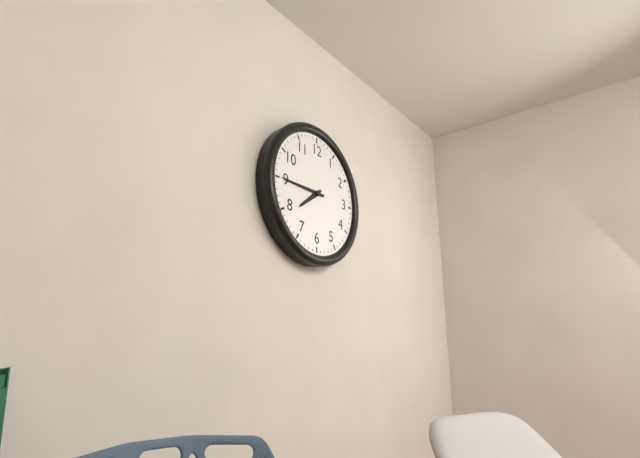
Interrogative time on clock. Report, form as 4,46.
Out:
7,45
